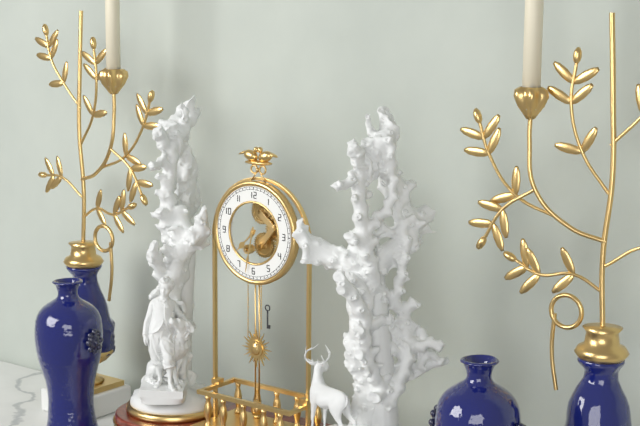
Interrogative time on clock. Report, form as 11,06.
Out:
7,32
